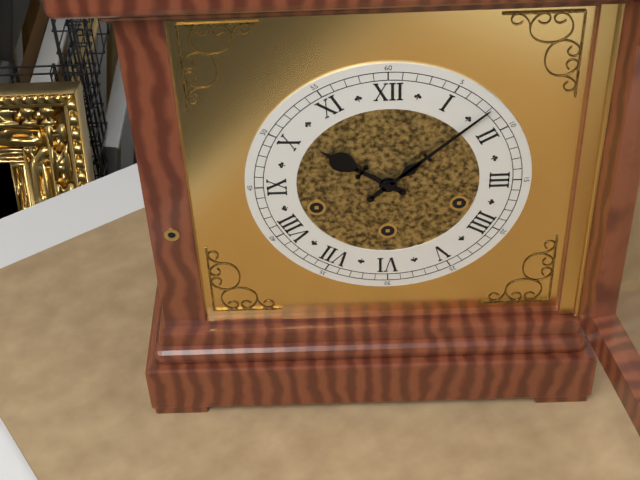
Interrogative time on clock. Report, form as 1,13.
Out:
10,08
